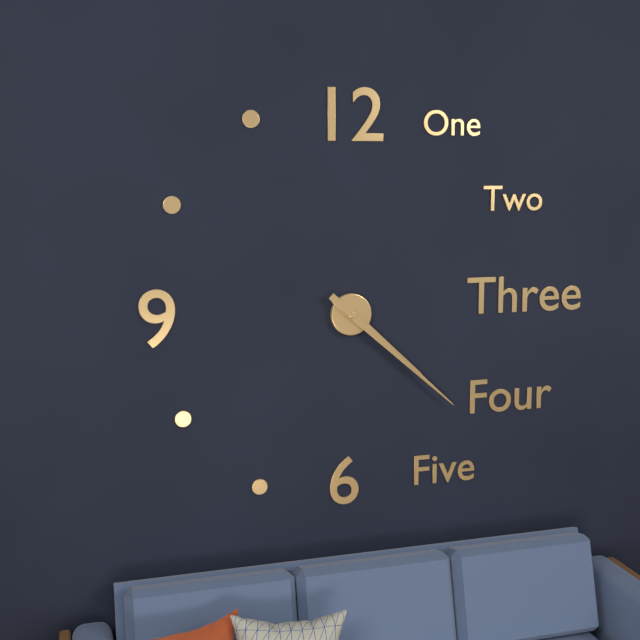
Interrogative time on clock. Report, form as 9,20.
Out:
4,22
